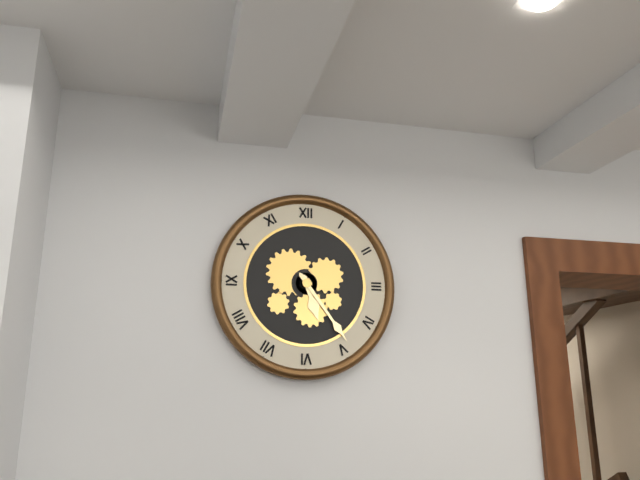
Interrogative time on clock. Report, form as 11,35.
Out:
5,24
